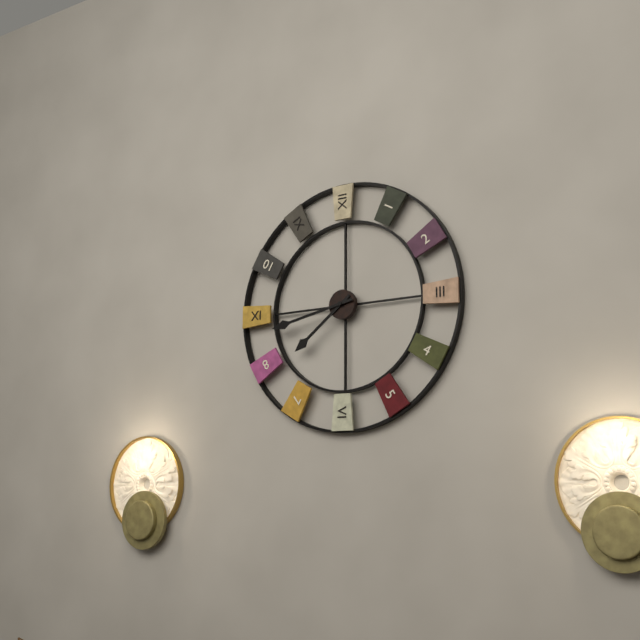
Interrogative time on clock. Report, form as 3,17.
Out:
7,43
